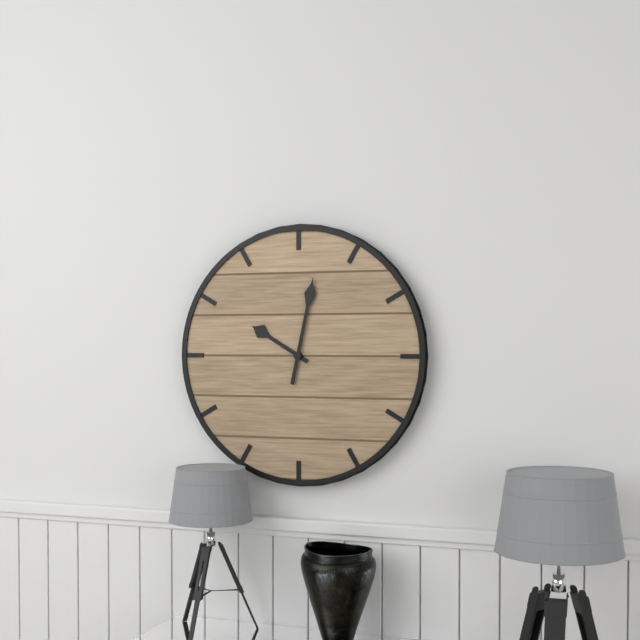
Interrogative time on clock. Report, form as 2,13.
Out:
10,02
